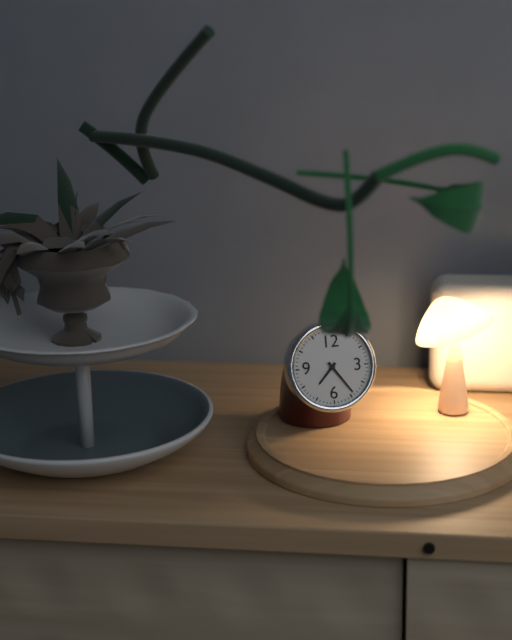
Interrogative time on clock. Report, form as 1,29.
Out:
7,24
